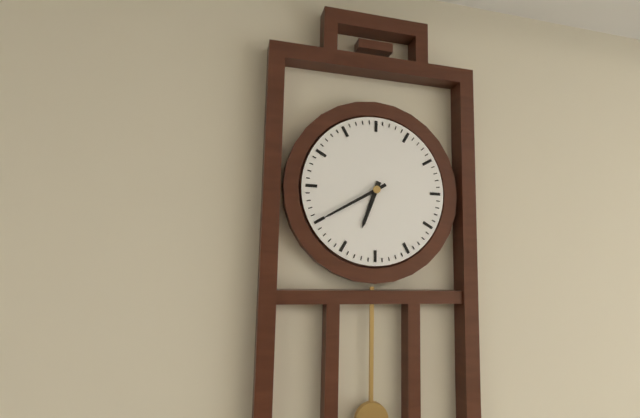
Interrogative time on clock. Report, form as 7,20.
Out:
6,40
